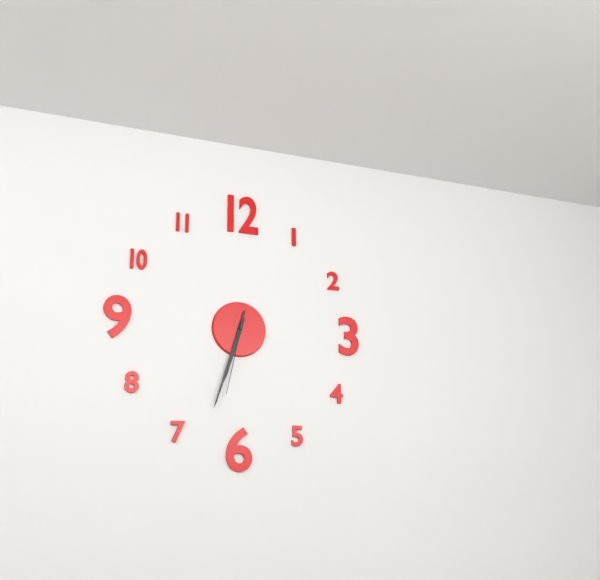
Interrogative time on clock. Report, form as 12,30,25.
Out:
6,33,32
